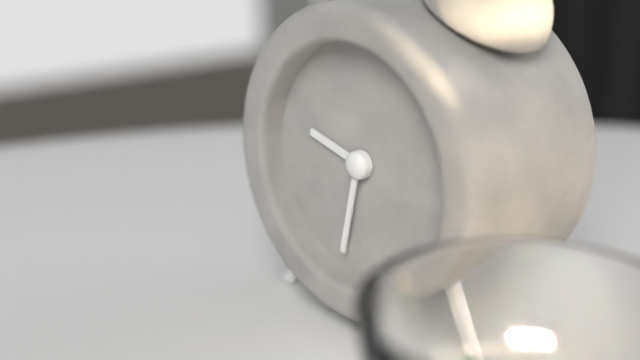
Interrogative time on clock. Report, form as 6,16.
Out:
9,32
